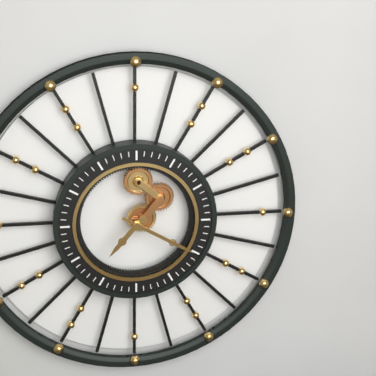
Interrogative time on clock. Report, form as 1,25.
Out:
7,20
